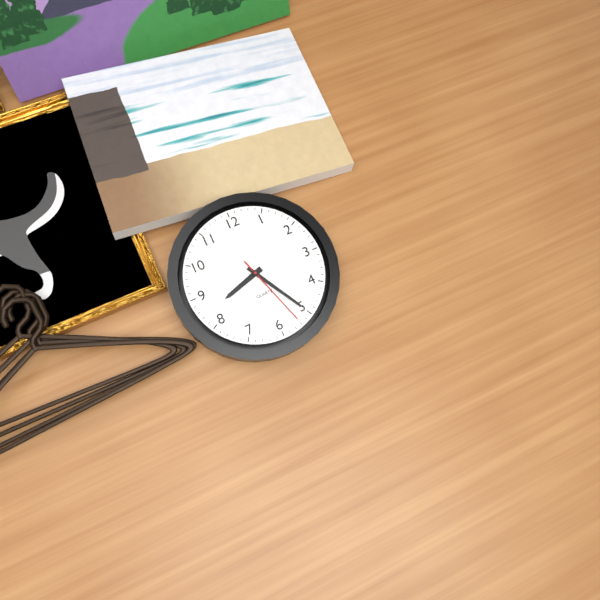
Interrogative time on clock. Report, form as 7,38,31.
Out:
8,25,27
